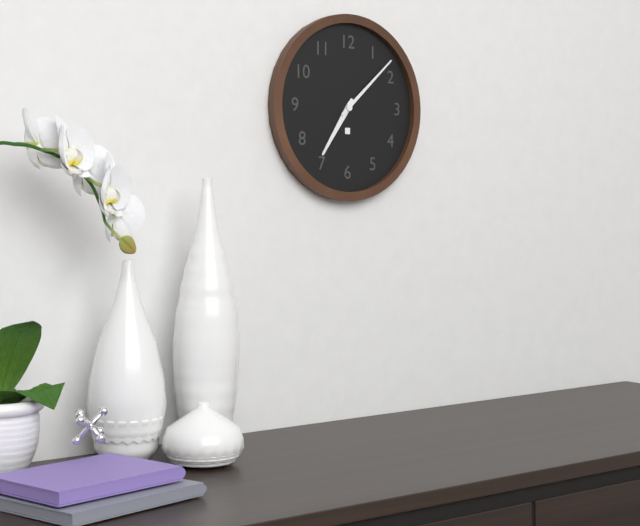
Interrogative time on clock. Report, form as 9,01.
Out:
7,08
